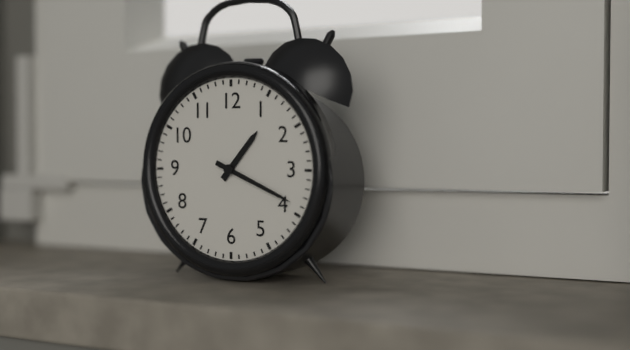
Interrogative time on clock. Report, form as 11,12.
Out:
1,19
